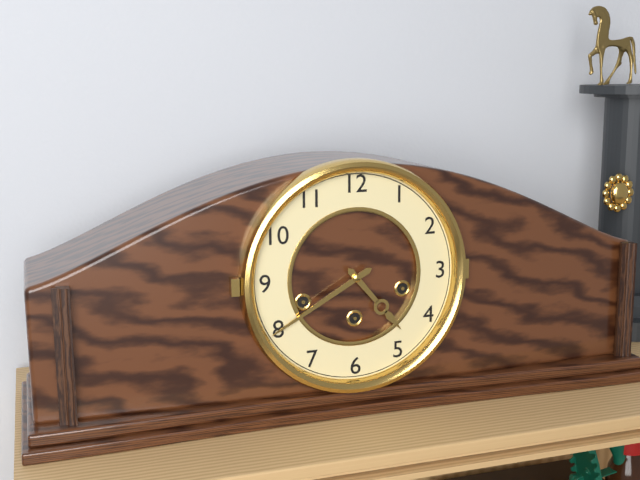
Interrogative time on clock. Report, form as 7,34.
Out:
4,40
